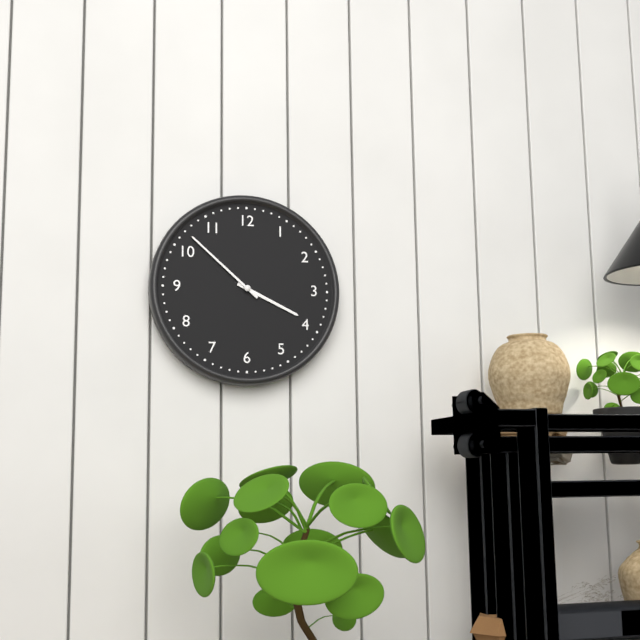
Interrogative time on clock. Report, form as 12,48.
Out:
3,52
